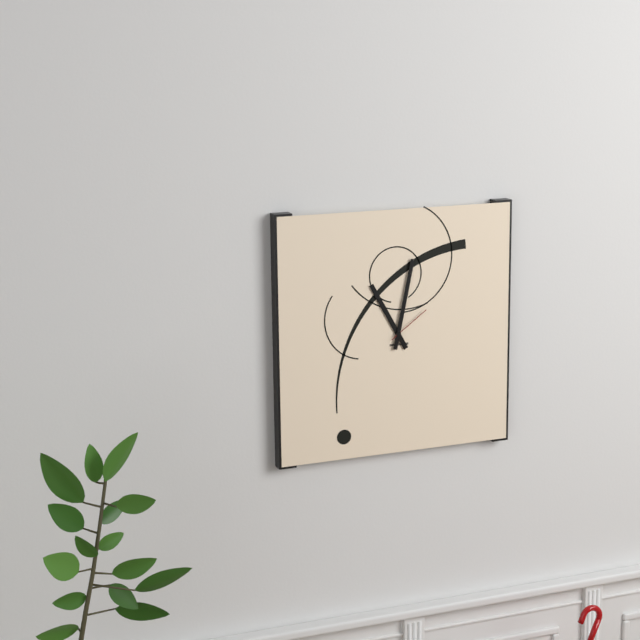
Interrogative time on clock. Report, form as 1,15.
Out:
11,02
